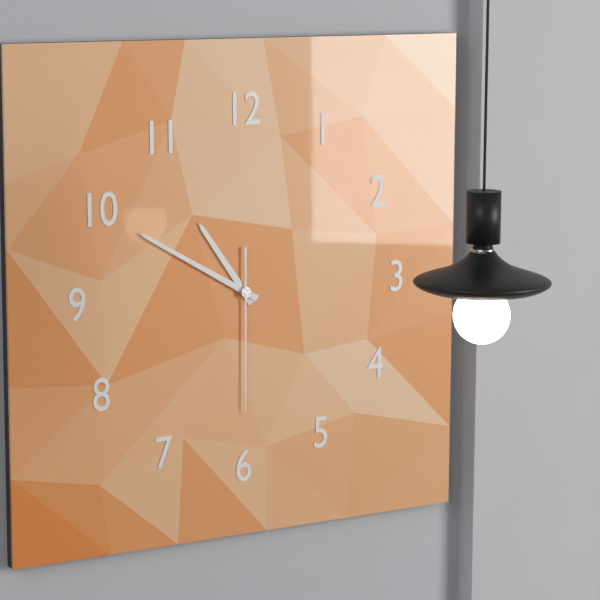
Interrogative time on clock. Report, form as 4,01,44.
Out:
10,50,30
